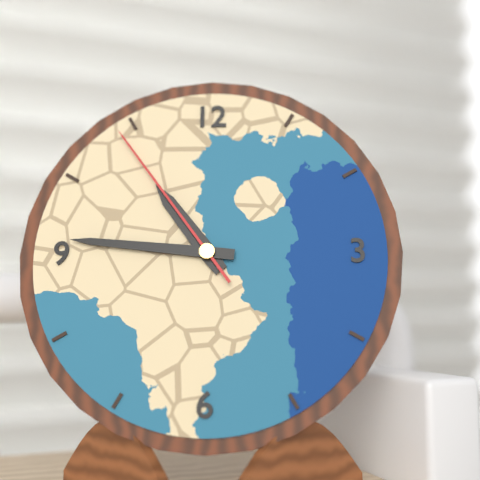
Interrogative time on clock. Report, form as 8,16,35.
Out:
10,46,54
